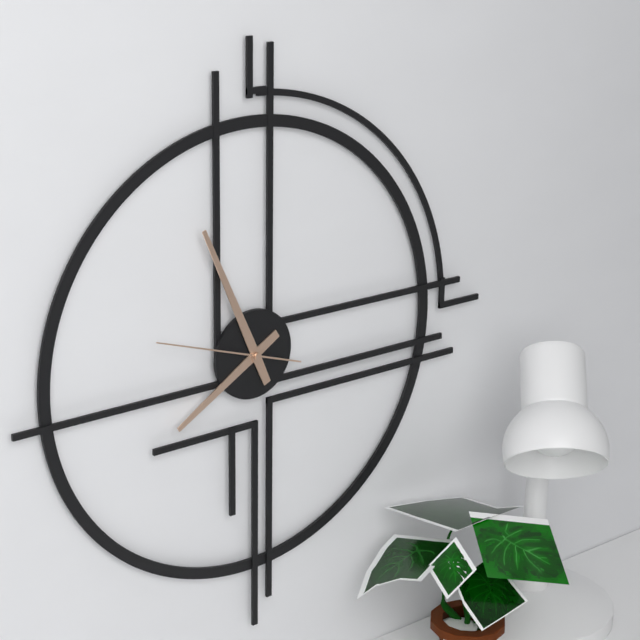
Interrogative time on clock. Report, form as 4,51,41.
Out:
7,56,48
